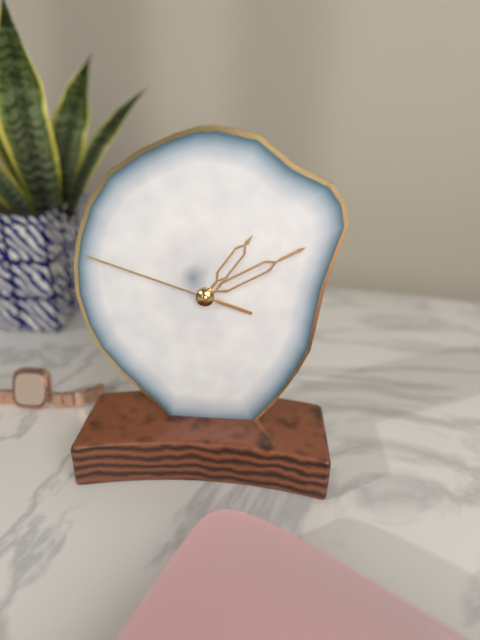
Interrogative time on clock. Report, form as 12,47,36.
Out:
1,10,48
